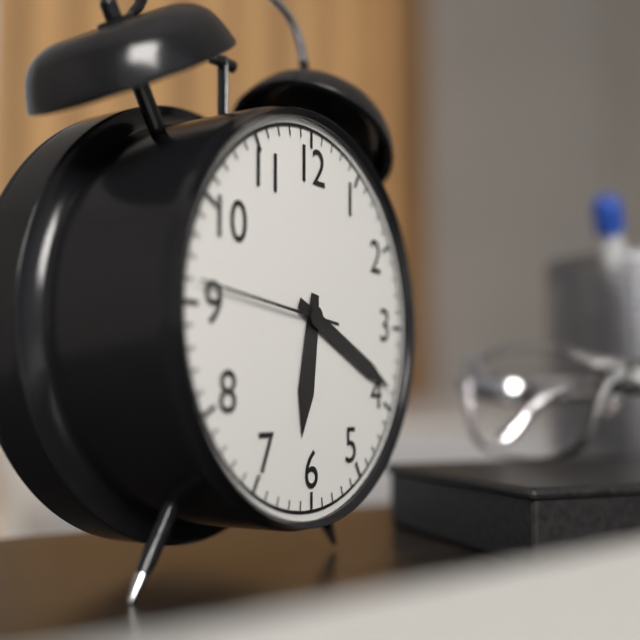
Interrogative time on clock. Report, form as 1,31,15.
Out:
6,19,46
